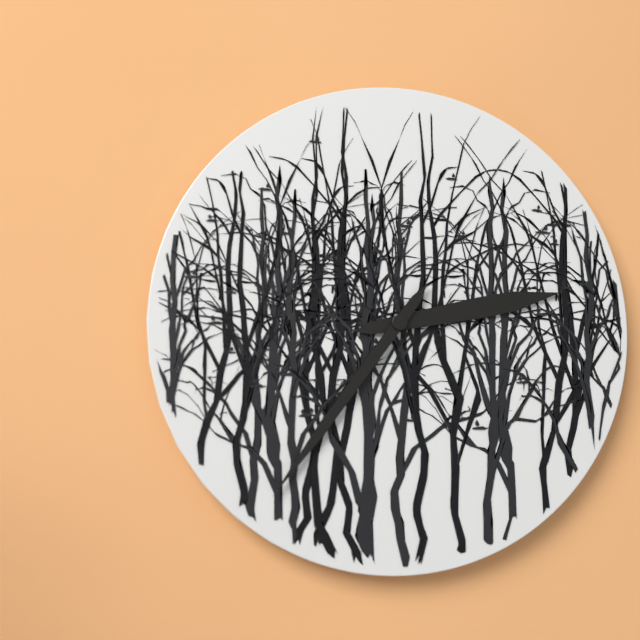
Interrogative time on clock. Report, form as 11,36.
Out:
2,36
